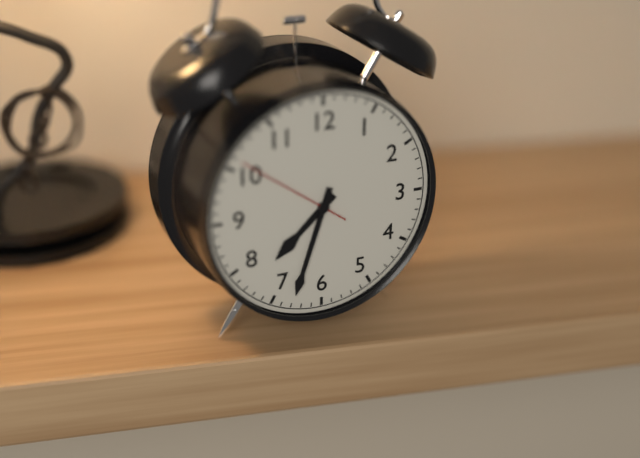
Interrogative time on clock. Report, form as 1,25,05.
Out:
7,33,51
